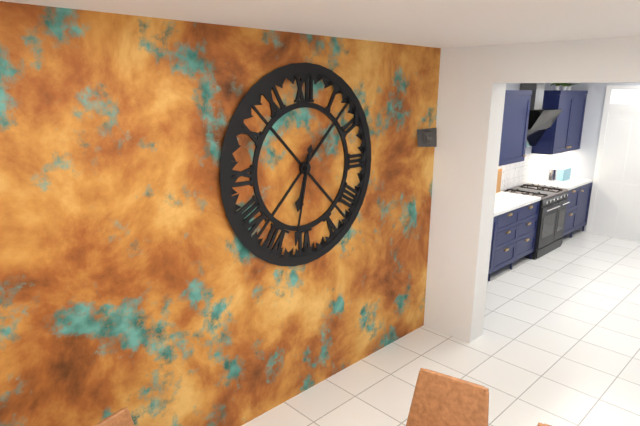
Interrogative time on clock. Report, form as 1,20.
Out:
6,32
